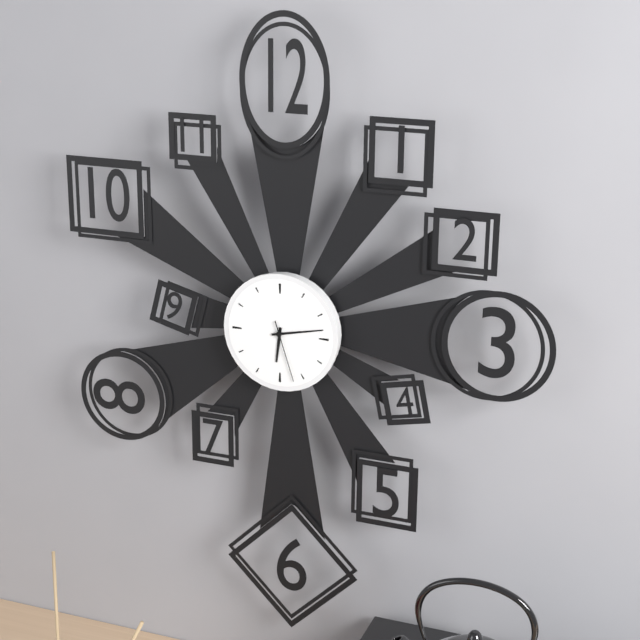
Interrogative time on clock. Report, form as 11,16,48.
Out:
6,13,27
